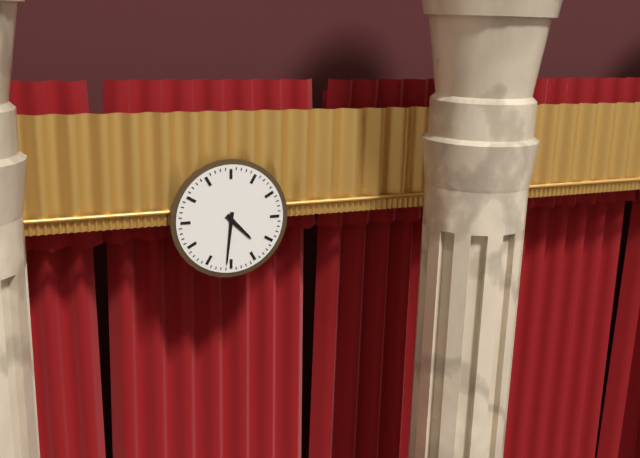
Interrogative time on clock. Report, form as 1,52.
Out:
4,31
